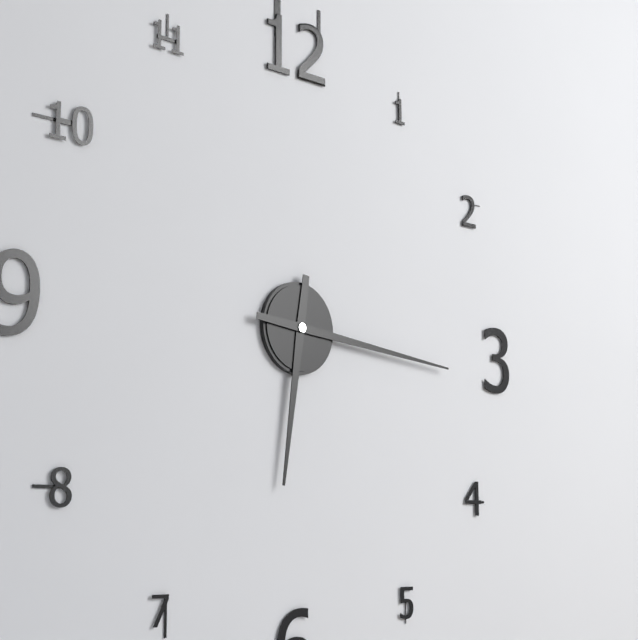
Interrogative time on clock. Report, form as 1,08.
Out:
6,16
